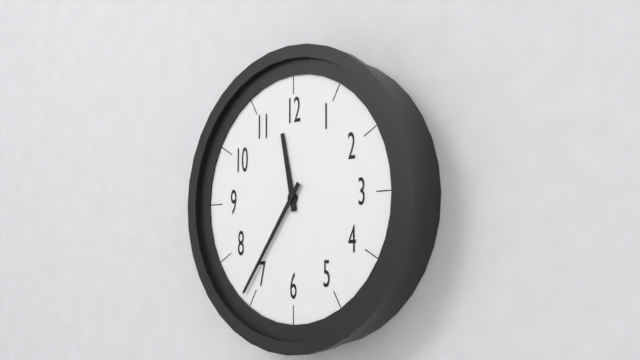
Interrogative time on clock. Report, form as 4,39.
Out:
11,36
